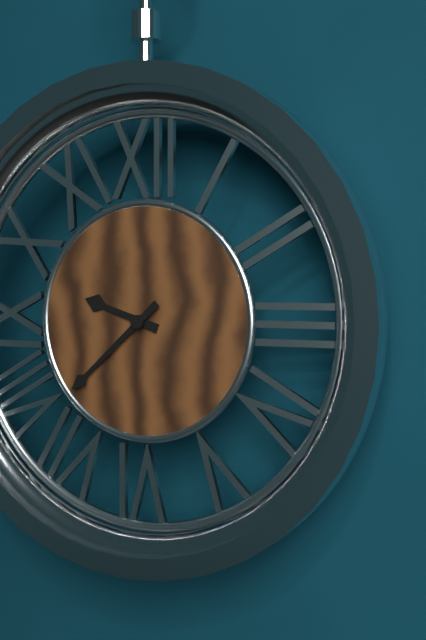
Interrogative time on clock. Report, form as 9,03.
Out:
9,38
